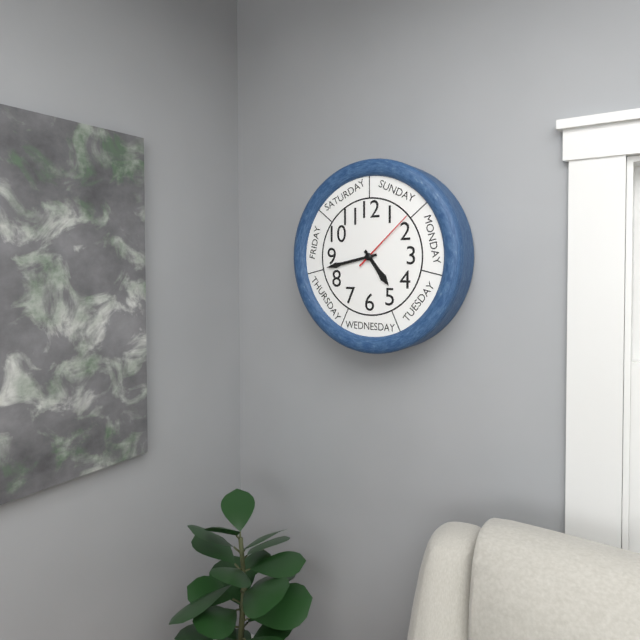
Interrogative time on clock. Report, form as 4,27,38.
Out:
4,43,08
